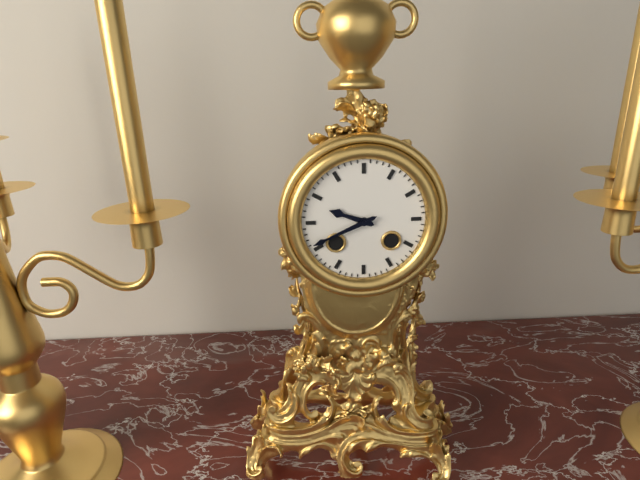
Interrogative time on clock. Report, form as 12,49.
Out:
9,41
